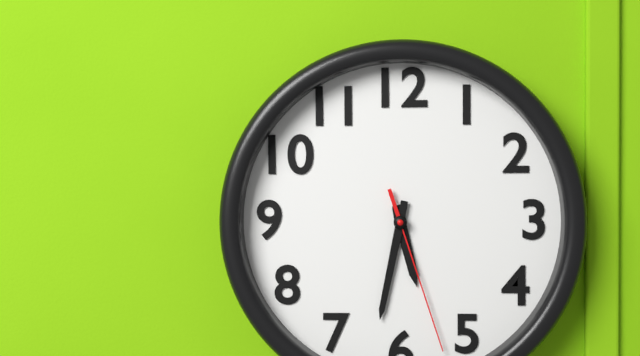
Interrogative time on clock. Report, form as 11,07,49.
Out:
5,32,27
